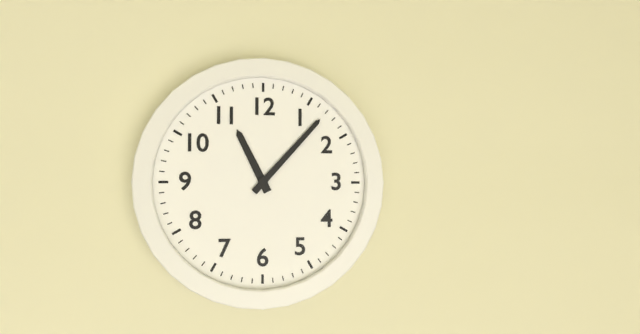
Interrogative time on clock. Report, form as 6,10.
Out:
11,07
